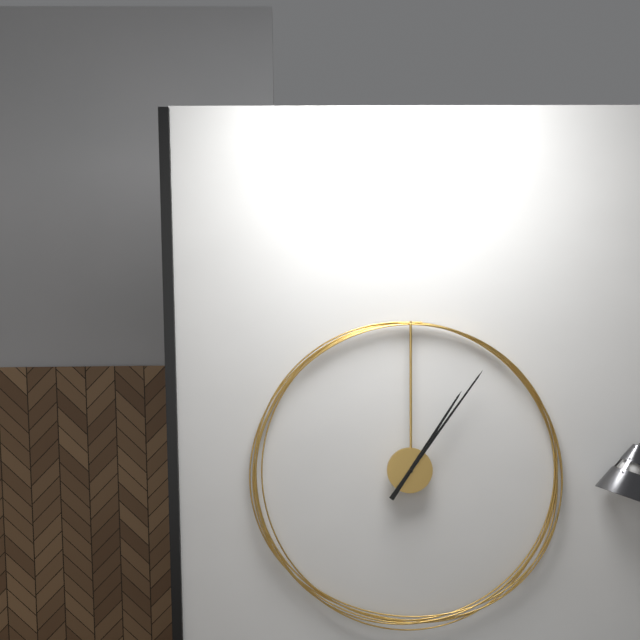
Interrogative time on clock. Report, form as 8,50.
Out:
1,06
